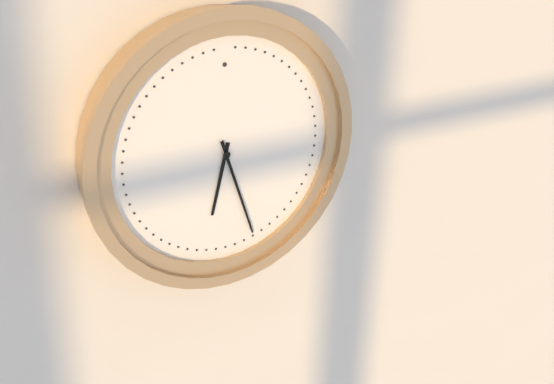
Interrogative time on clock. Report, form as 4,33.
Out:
6,27
